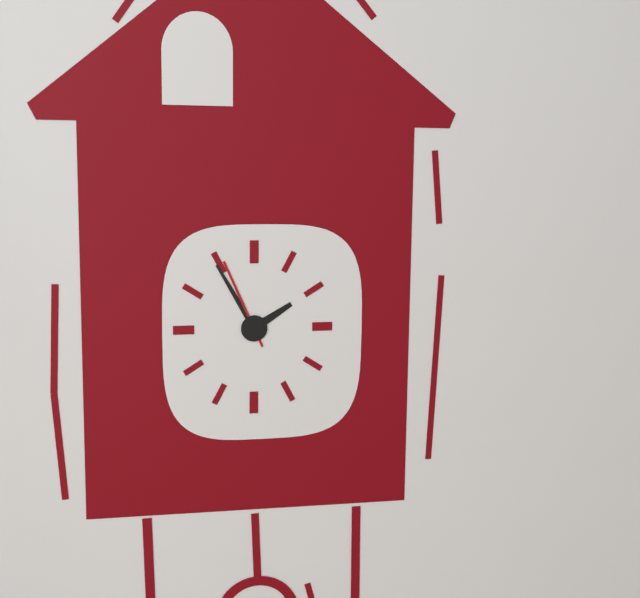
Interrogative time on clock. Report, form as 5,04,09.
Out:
1,55,56
